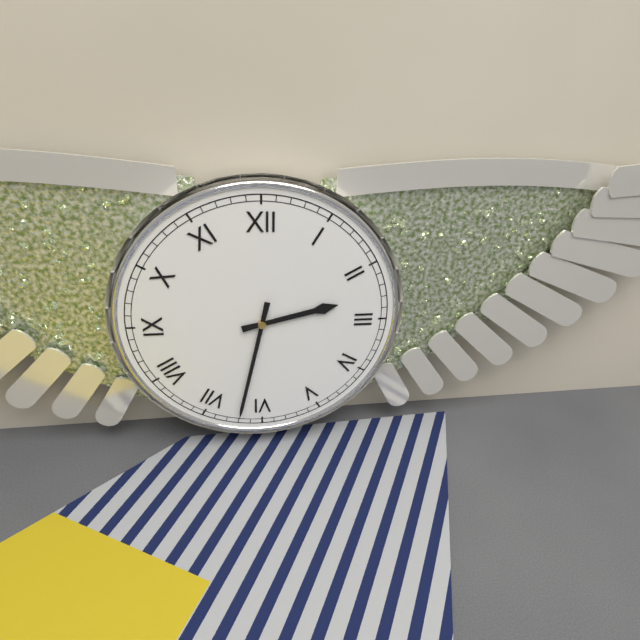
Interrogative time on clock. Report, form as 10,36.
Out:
2,32
